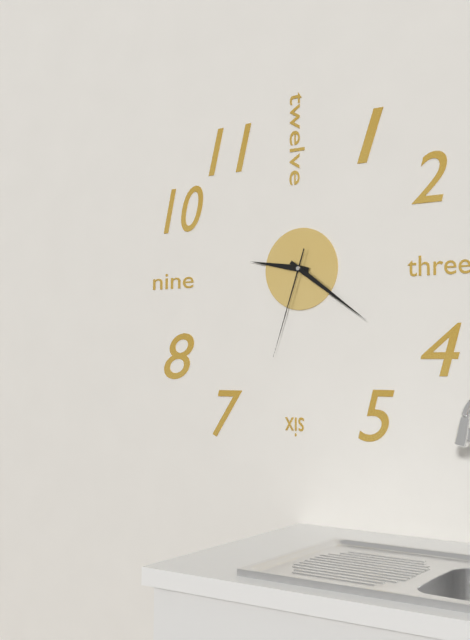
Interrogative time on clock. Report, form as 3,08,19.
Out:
9,21,33
